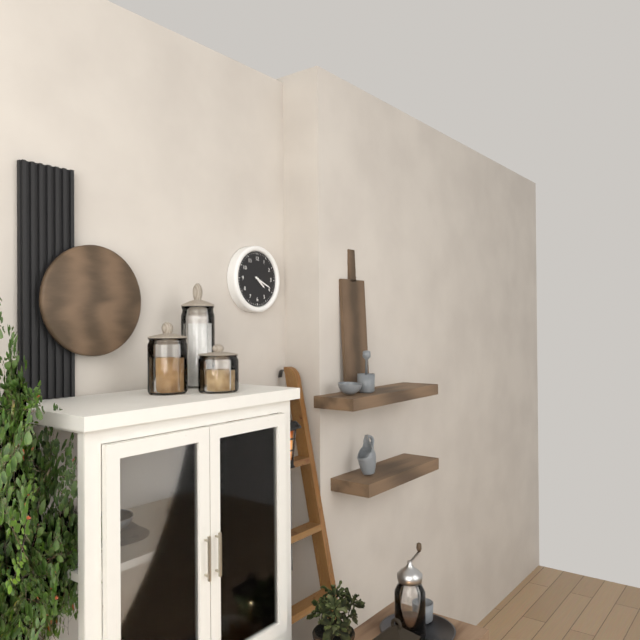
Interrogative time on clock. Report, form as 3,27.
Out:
4,19
